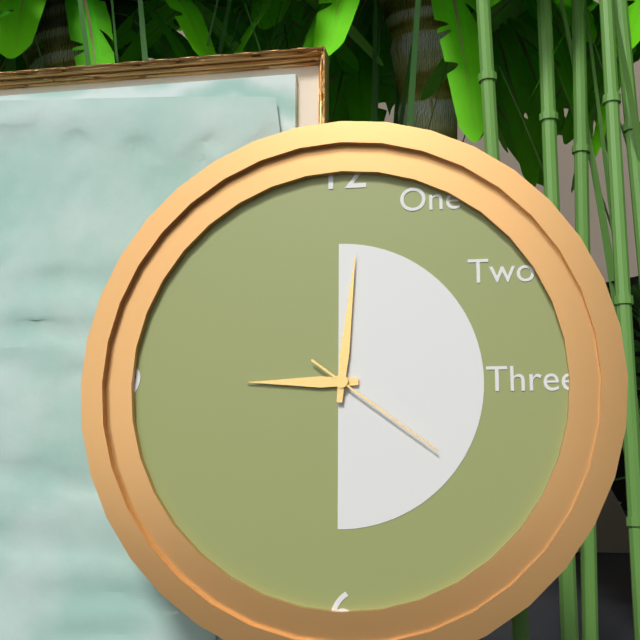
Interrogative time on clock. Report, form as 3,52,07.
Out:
9,01,21
